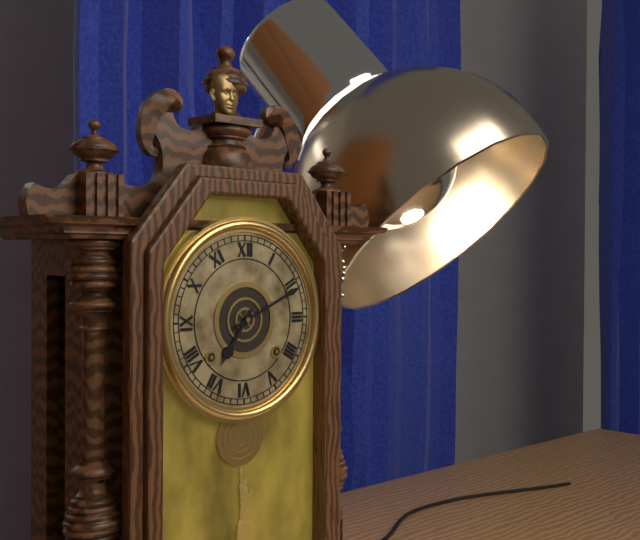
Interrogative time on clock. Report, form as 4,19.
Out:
7,11
